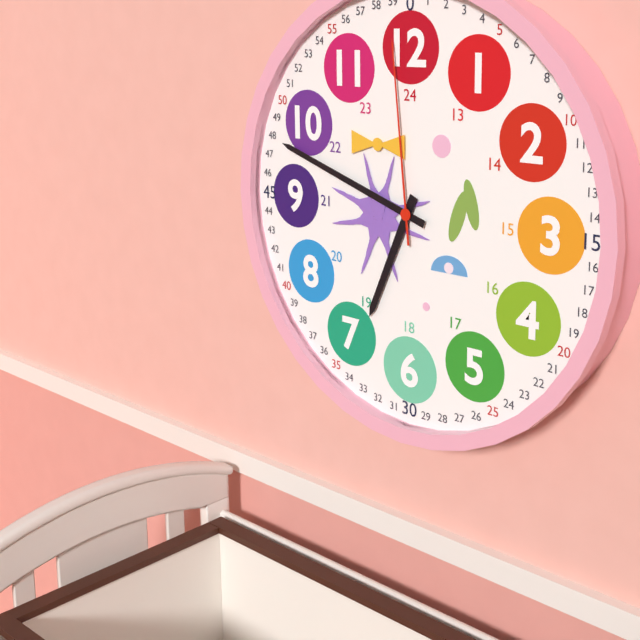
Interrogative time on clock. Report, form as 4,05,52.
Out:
6,48,59
